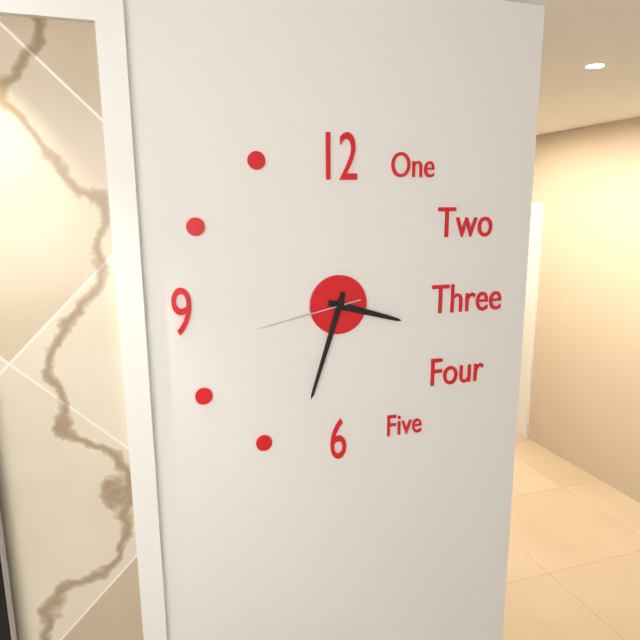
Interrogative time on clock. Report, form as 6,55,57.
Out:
3,33,43
